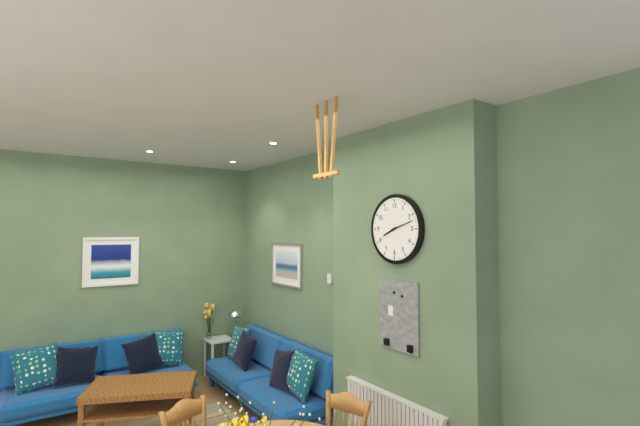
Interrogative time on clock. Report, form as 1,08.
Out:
8,12
